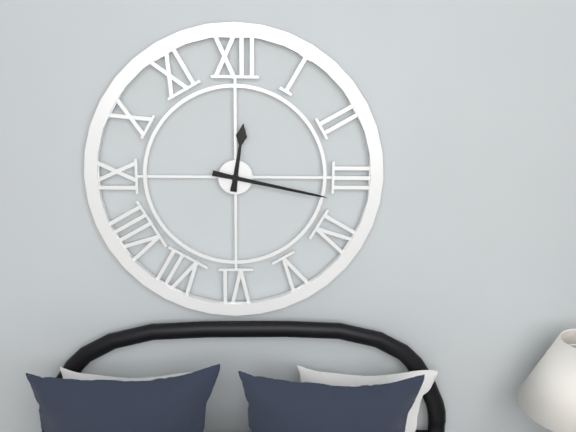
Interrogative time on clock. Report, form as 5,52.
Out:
12,17
